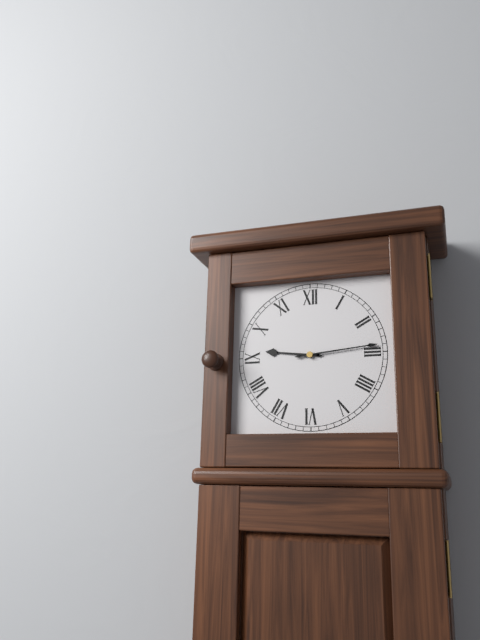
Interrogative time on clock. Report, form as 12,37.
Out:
9,14
